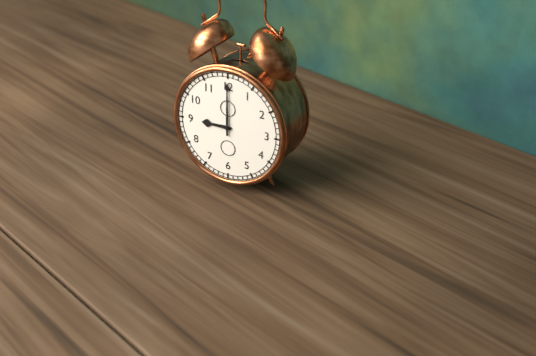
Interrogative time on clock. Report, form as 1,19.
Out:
9,00
